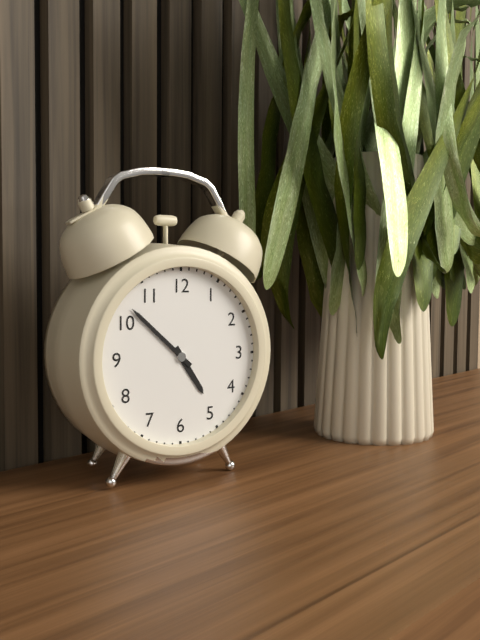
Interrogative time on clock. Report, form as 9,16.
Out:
4,52
